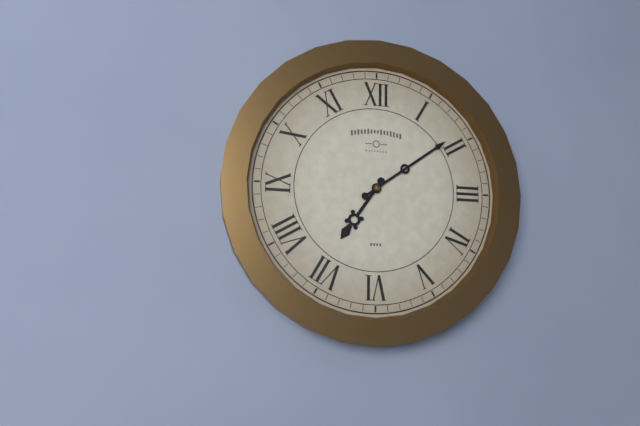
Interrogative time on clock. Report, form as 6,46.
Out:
7,09
